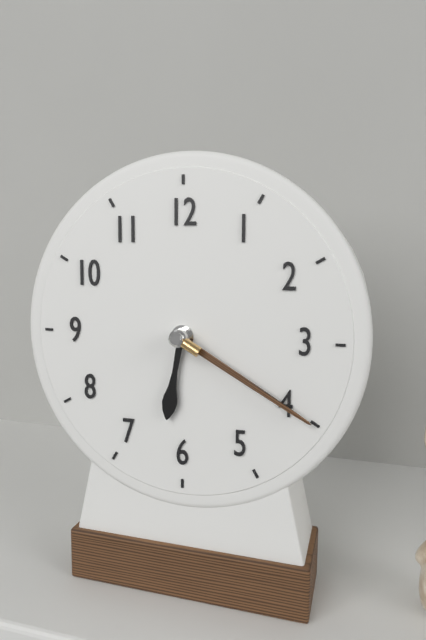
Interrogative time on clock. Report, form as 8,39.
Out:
6,20
